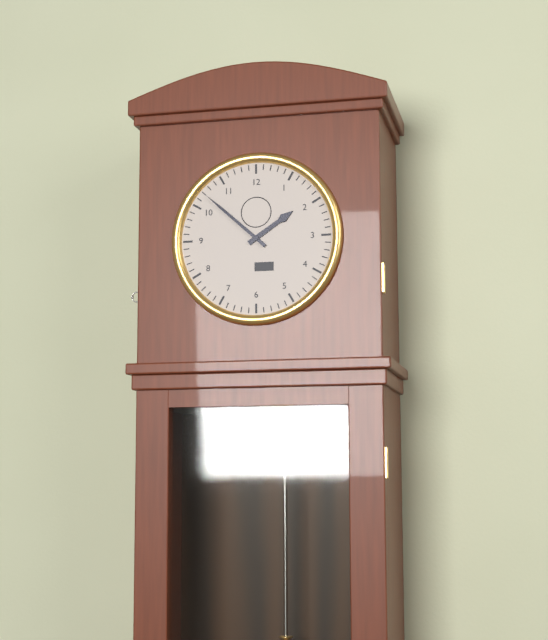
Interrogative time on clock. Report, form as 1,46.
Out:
1,52
